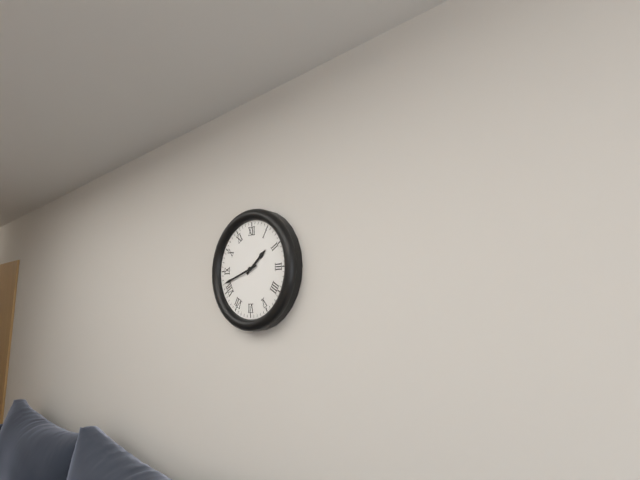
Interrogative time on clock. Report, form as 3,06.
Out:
1,42
